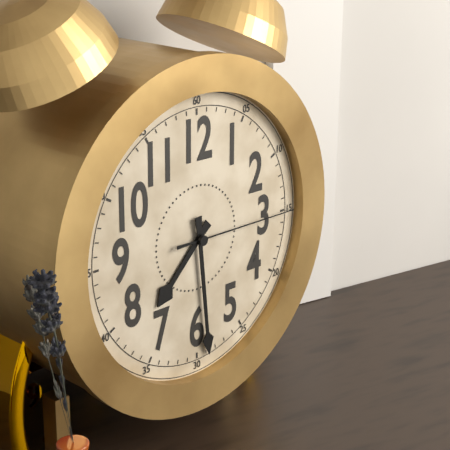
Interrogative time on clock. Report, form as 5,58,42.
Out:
7,29,15
